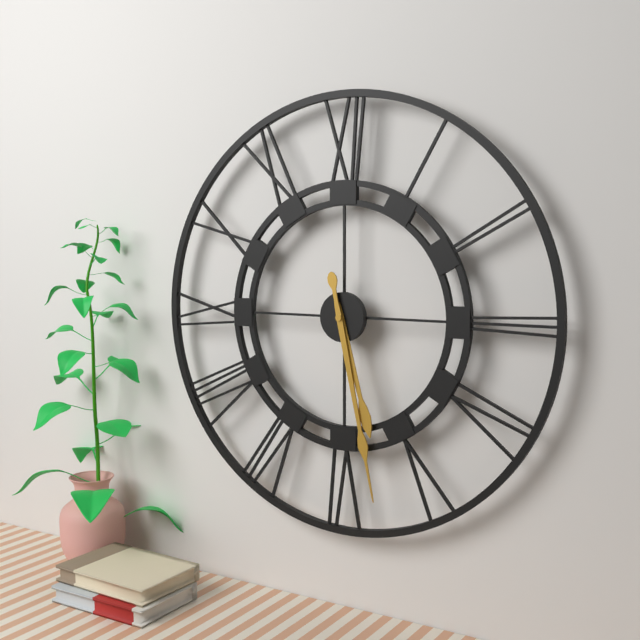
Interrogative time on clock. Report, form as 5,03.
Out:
5,28
